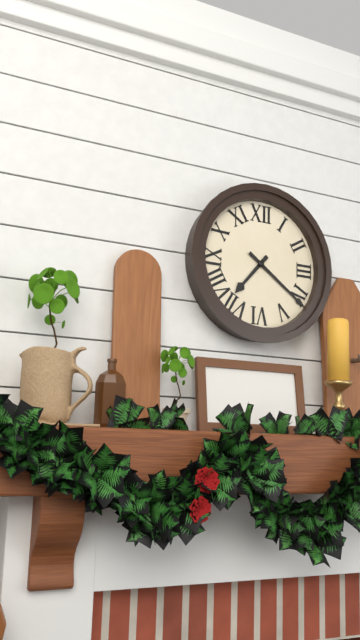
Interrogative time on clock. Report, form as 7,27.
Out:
7,21
